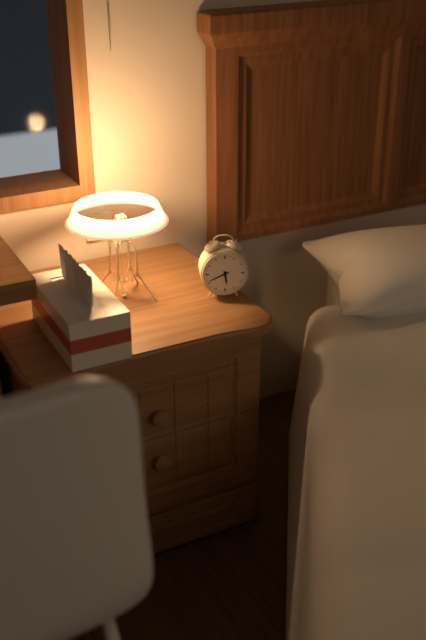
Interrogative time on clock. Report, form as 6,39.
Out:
5,41
